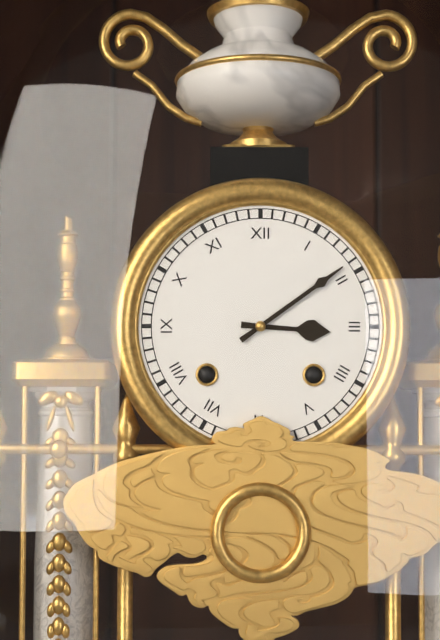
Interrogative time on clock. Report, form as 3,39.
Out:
3,09
